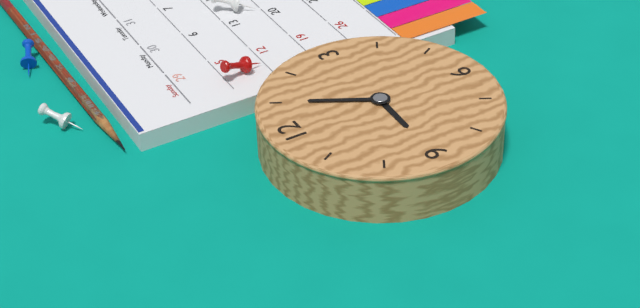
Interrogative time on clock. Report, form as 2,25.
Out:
9,05
